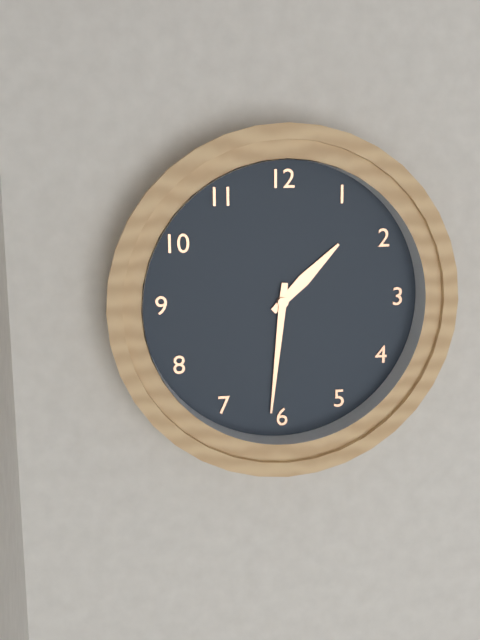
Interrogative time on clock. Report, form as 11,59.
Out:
1,31
